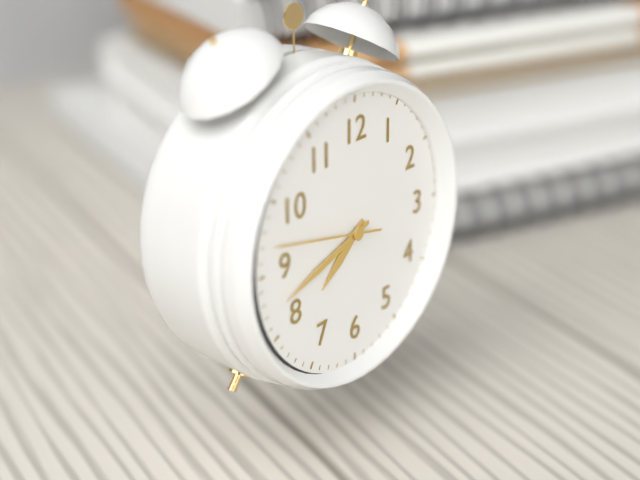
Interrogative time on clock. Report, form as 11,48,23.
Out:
7,42,47
